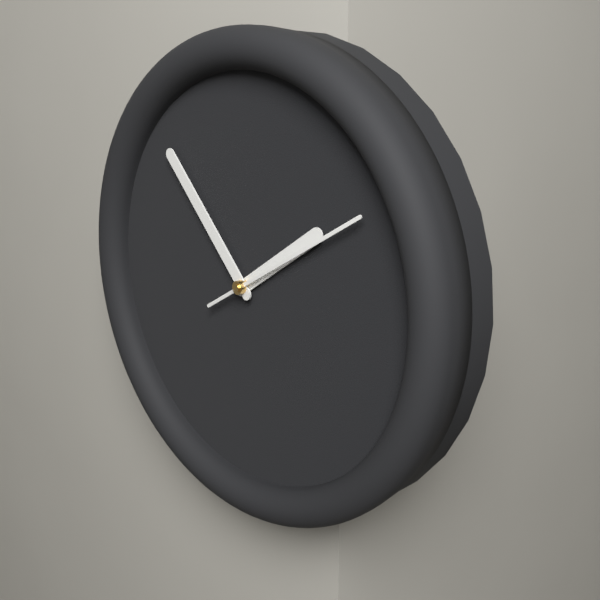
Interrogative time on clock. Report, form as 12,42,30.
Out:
1,53,10
